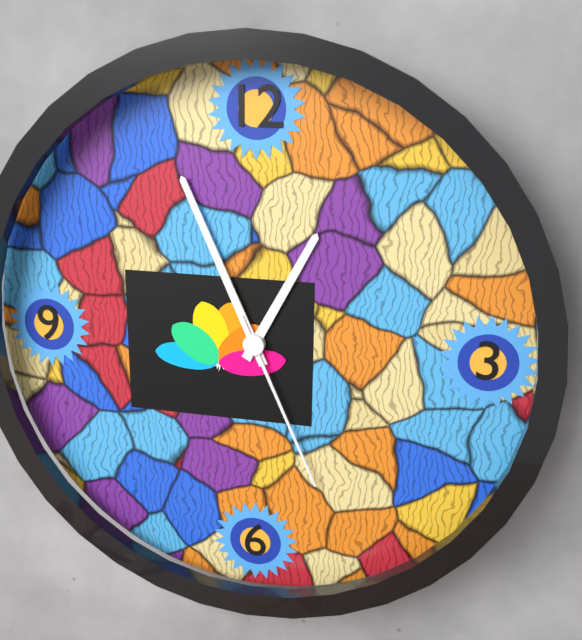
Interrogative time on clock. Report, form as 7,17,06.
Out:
12,56,26
